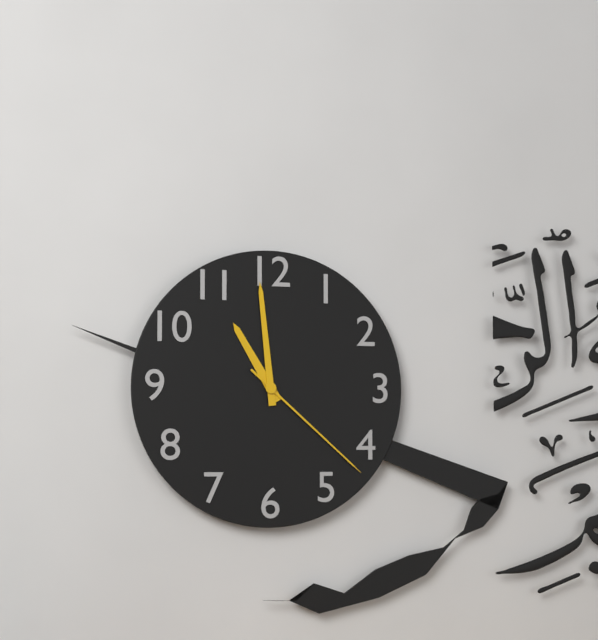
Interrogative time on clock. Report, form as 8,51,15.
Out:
10,59,22
